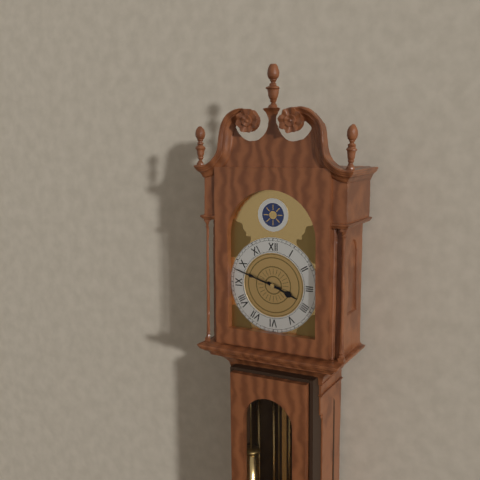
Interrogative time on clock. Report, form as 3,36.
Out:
3,48
